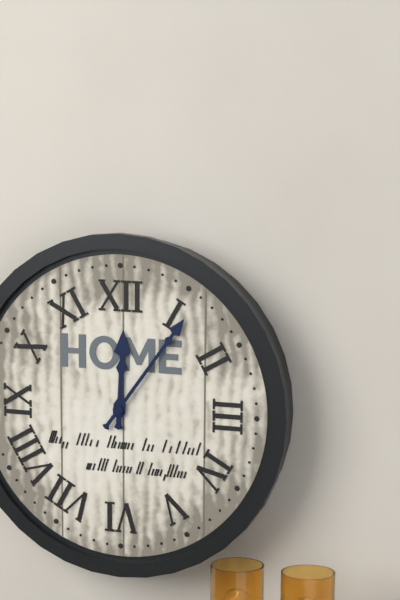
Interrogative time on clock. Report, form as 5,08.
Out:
12,06
